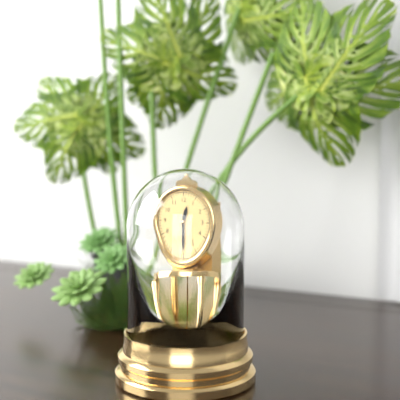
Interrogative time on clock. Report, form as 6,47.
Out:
12,30
